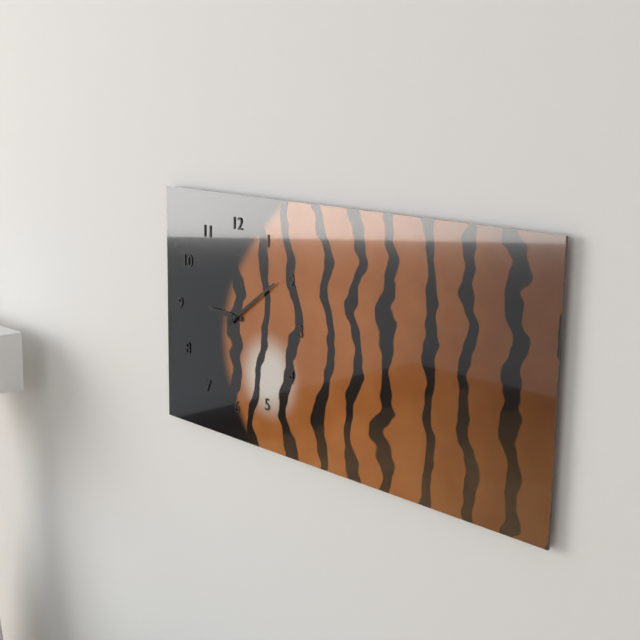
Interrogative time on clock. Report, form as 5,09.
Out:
9,09
